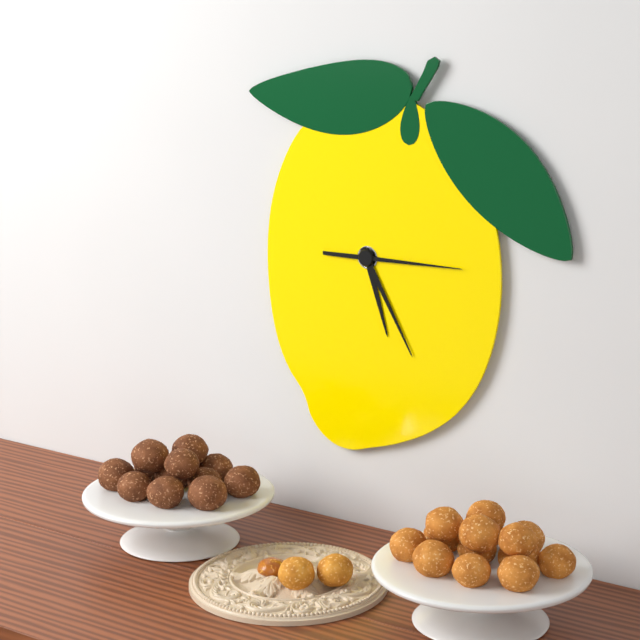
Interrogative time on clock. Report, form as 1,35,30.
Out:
5,25,15
